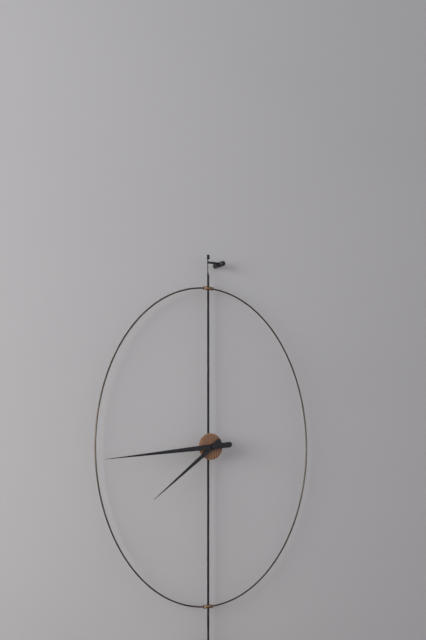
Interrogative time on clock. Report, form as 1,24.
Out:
7,44
